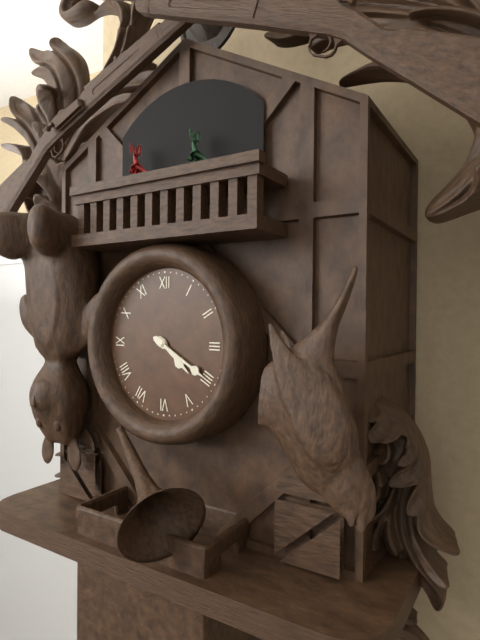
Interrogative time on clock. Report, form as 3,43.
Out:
4,20
